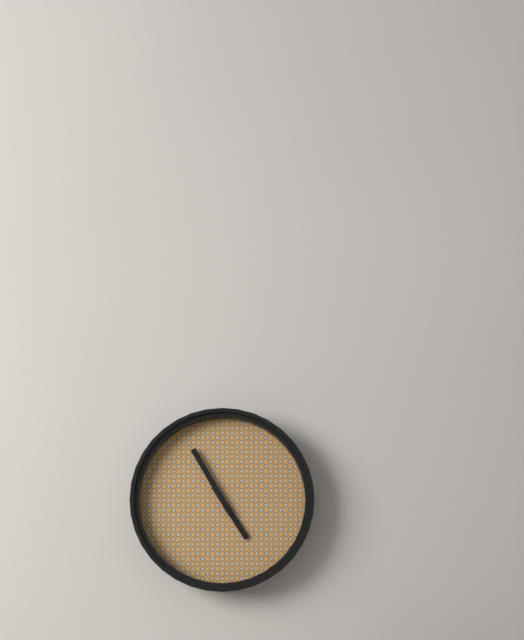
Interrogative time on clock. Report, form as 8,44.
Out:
4,55
